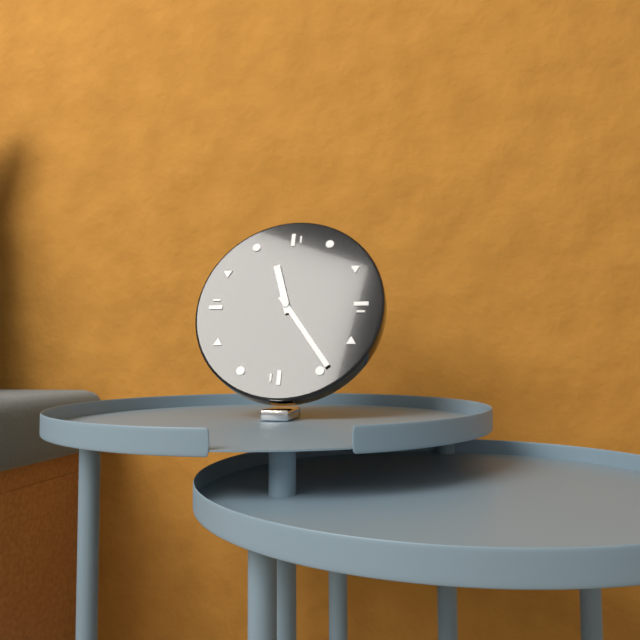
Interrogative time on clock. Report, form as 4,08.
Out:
11,24
